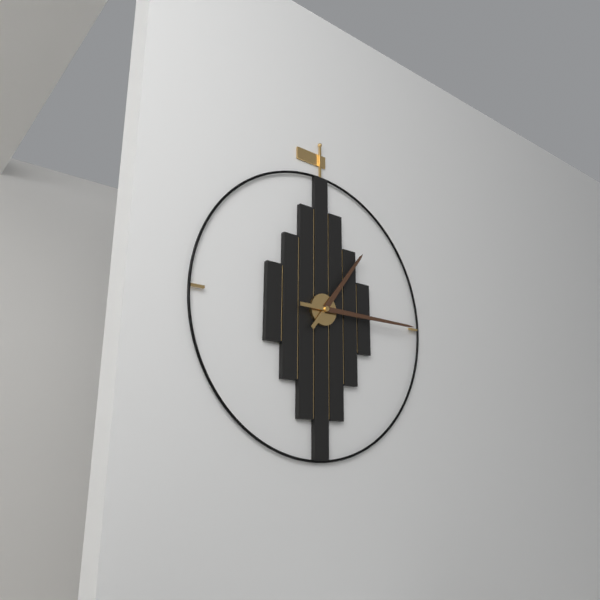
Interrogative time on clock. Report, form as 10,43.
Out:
1,15
